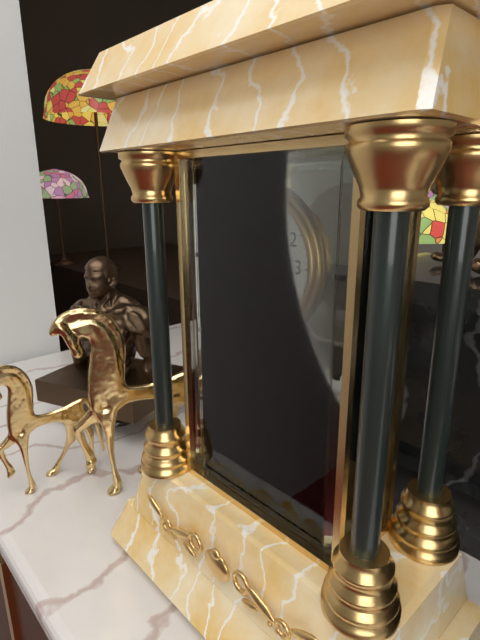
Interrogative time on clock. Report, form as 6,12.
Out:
5,02
